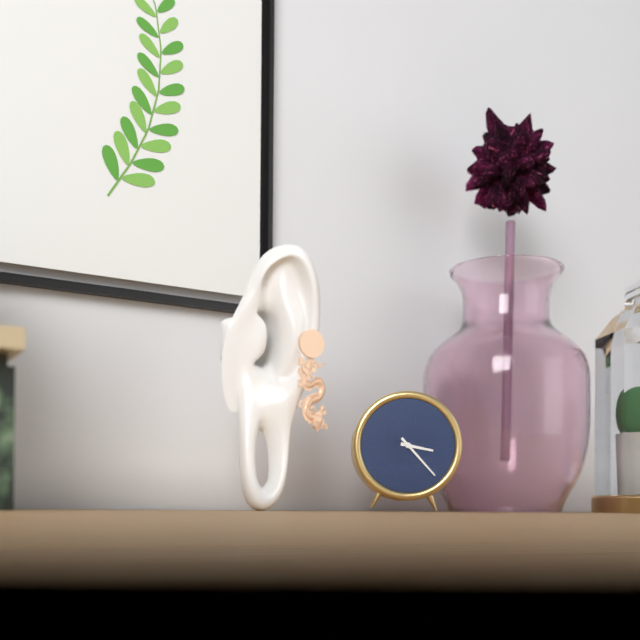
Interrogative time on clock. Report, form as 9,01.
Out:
3,23
